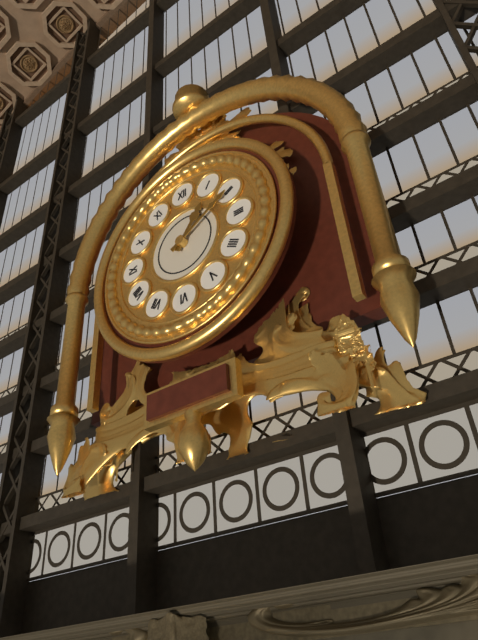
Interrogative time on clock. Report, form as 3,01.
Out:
1,10
